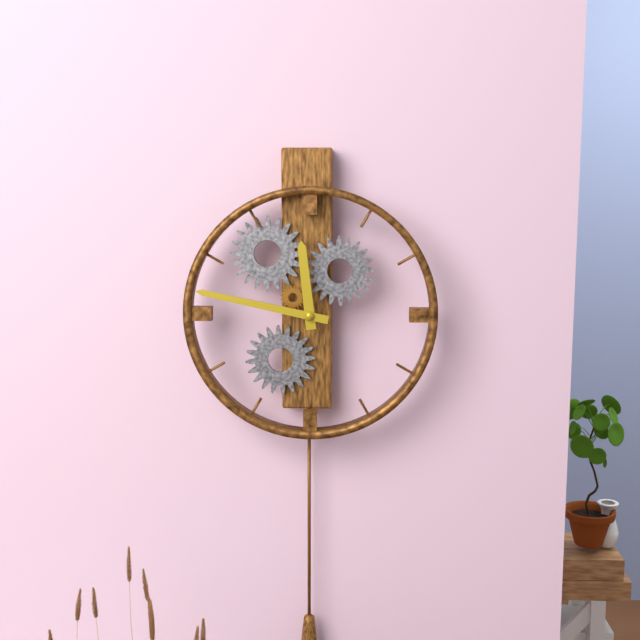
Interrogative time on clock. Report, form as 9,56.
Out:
11,47
